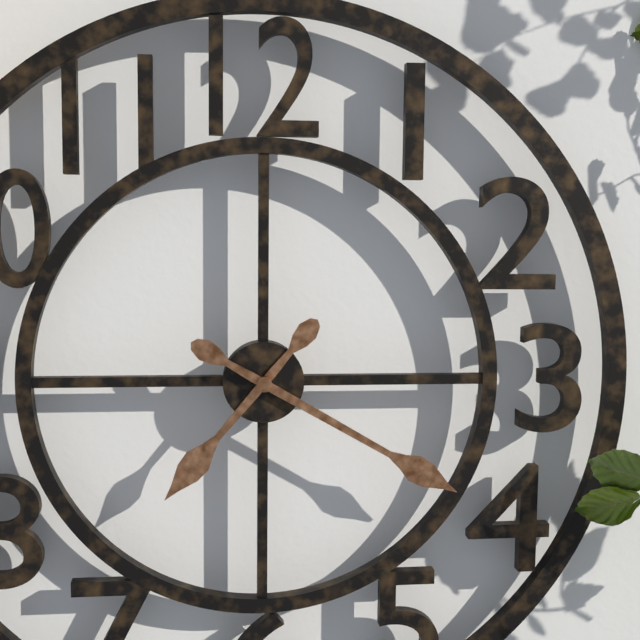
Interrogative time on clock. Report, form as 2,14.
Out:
7,20
